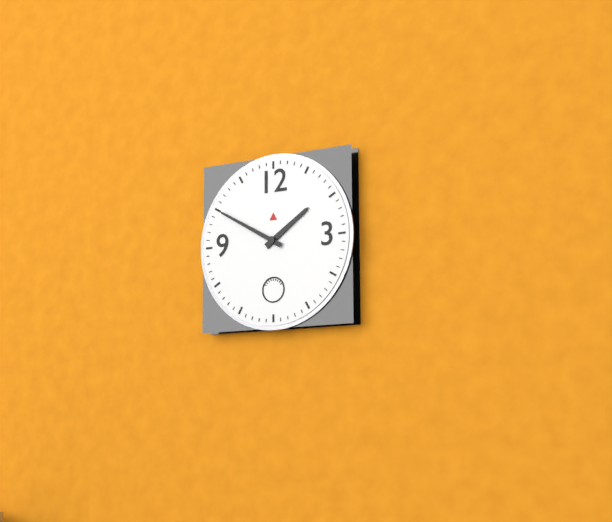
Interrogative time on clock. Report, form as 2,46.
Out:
1,50
